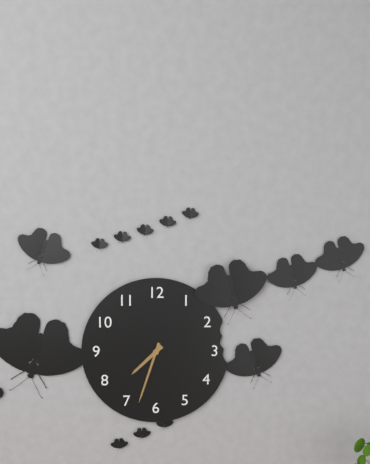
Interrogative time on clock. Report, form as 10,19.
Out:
7,33
